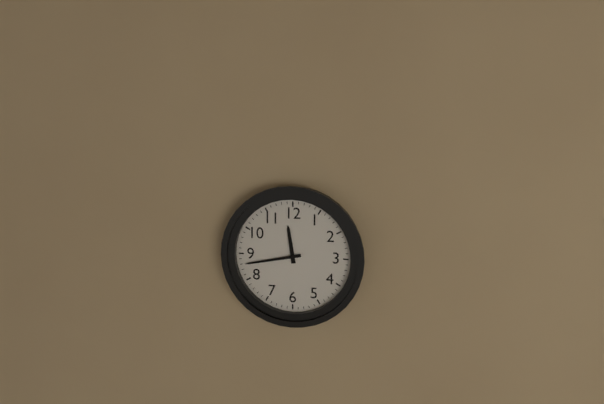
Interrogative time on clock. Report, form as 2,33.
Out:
11,43
